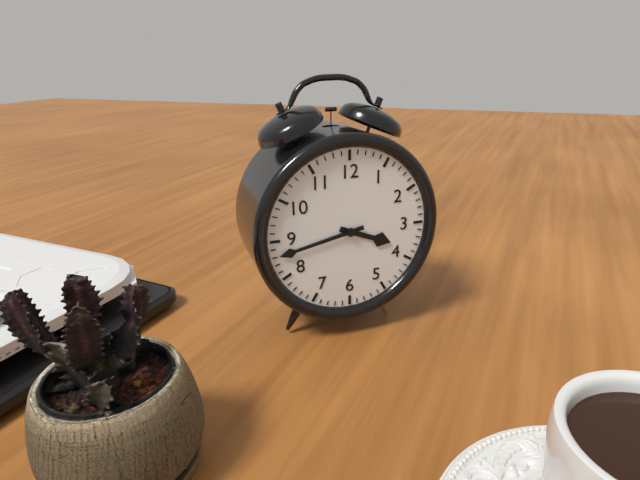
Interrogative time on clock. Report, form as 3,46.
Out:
3,43
